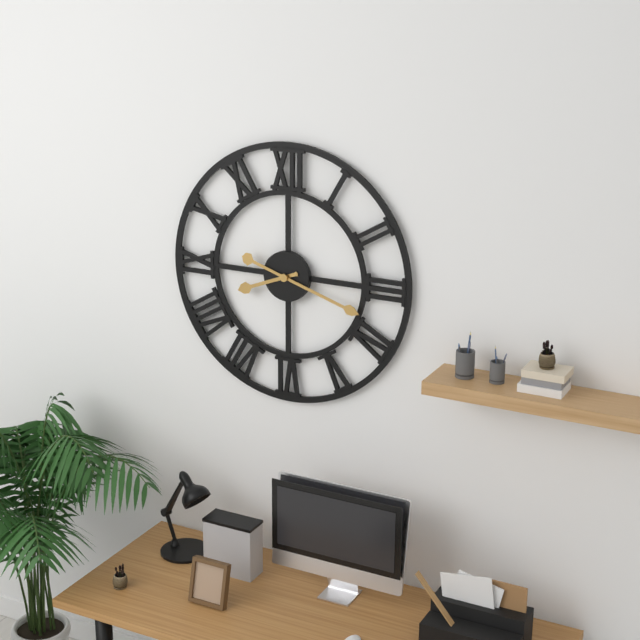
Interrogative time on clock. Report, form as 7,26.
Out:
8,18
